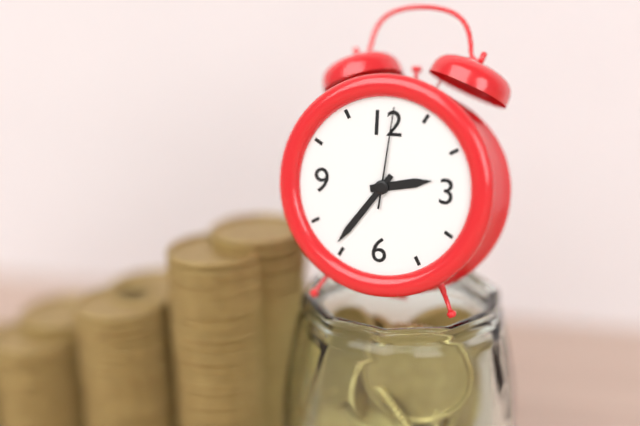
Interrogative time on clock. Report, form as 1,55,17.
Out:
2,36,01
